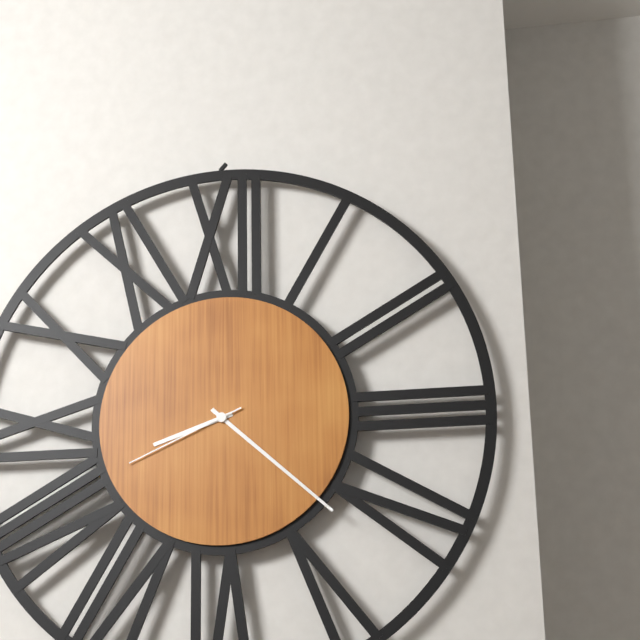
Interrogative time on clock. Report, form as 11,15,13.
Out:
8,22,41
